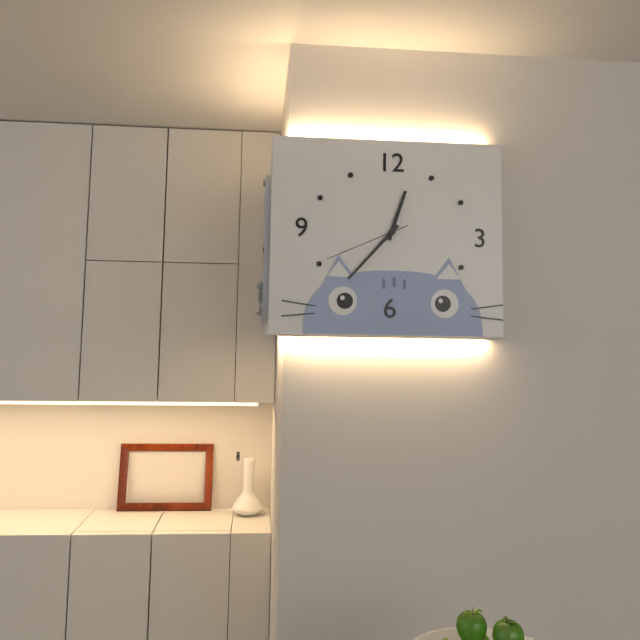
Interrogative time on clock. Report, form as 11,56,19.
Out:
12,37,41
